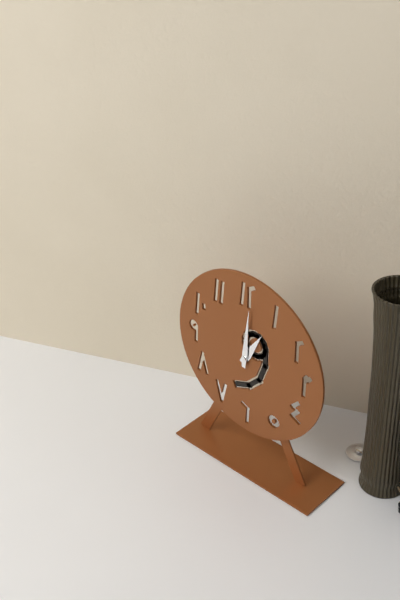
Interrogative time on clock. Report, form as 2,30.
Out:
1,01
